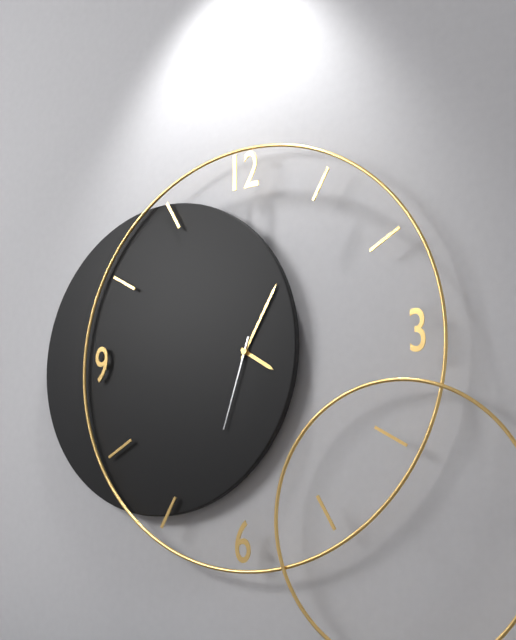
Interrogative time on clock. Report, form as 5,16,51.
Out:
4,05,33
